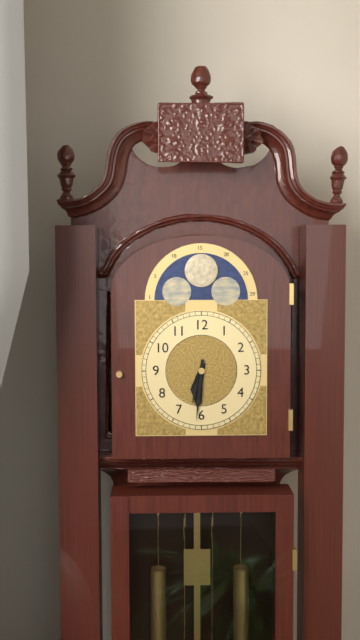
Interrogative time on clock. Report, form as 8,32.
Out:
6,31
